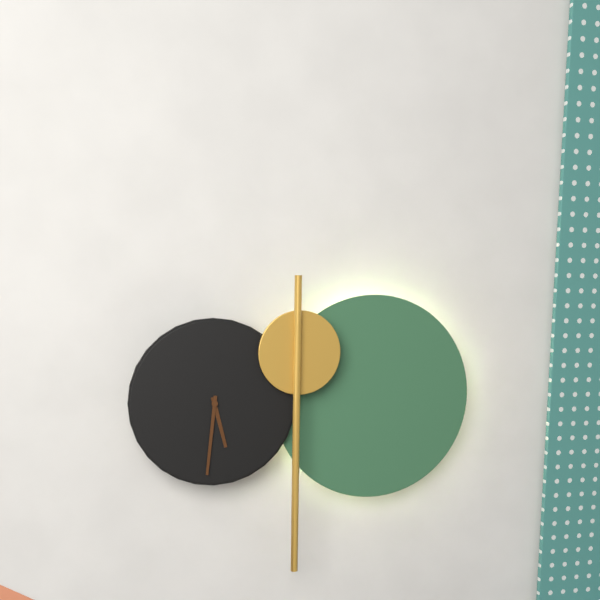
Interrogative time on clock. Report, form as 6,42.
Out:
5,31
